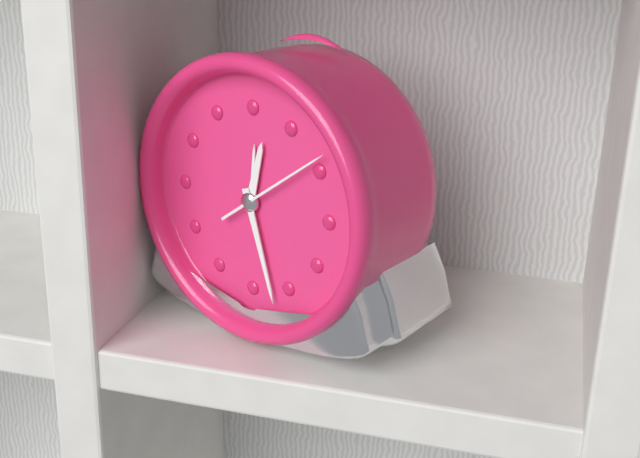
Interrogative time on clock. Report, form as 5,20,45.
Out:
12,27,09
